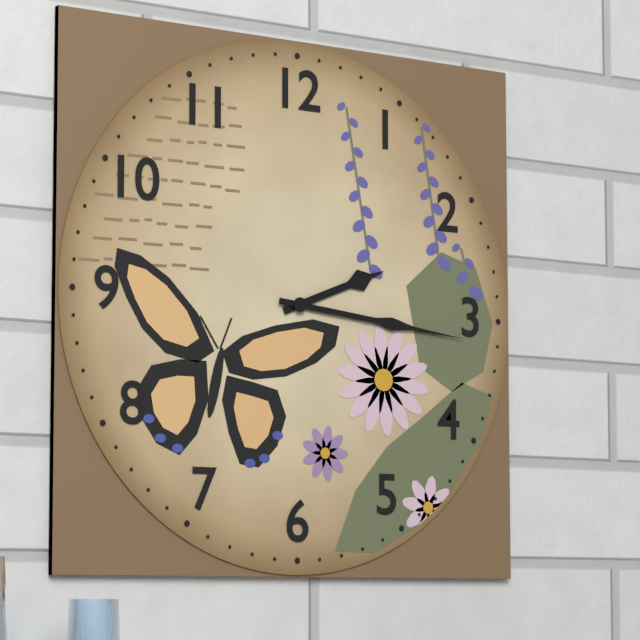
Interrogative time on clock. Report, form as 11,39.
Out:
2,16
